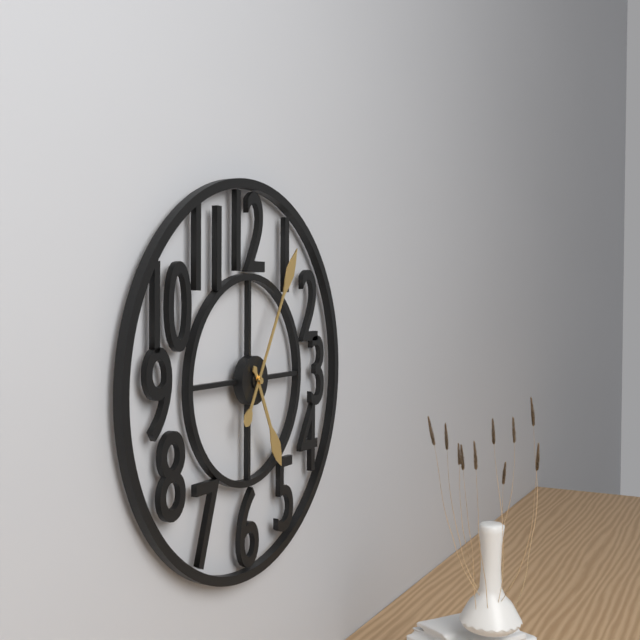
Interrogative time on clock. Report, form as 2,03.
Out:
5,05
